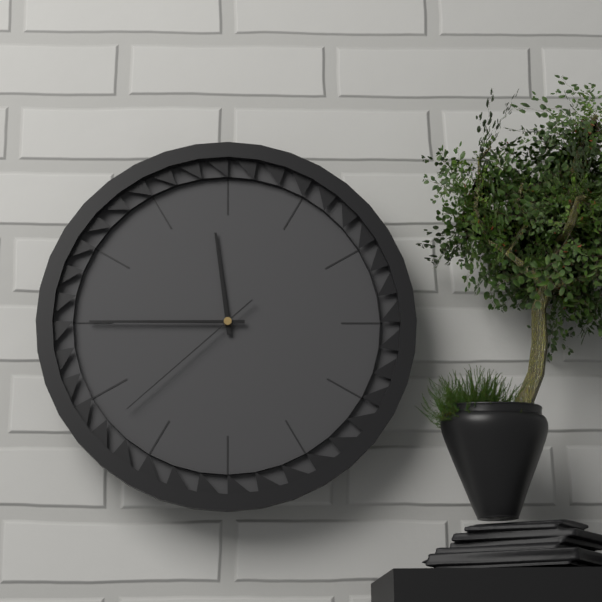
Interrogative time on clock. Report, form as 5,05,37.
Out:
11,45,38
